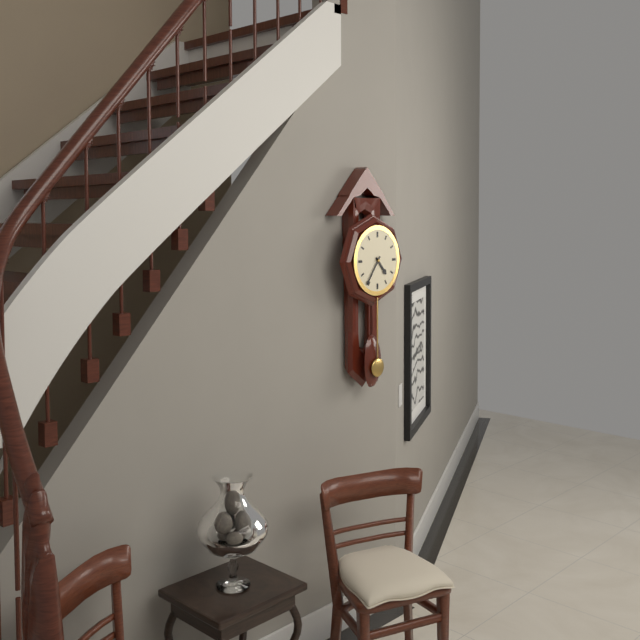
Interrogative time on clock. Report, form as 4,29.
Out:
4,36
